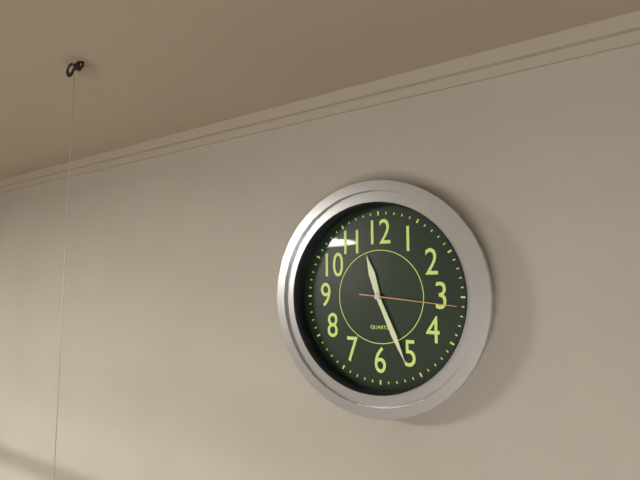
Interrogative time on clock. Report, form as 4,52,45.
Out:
11,26,16
